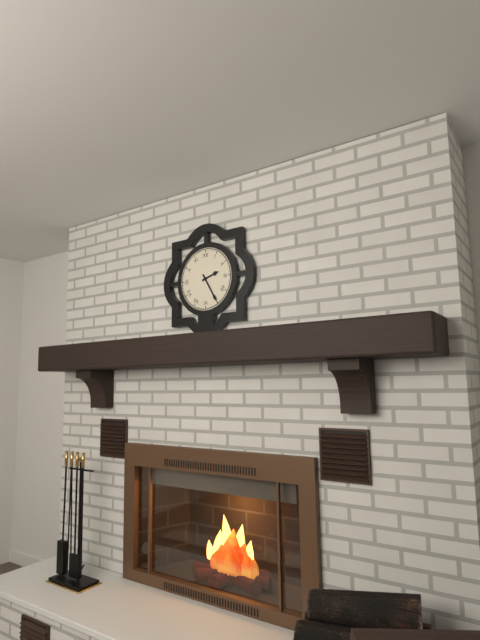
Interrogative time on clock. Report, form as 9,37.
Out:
2,25
